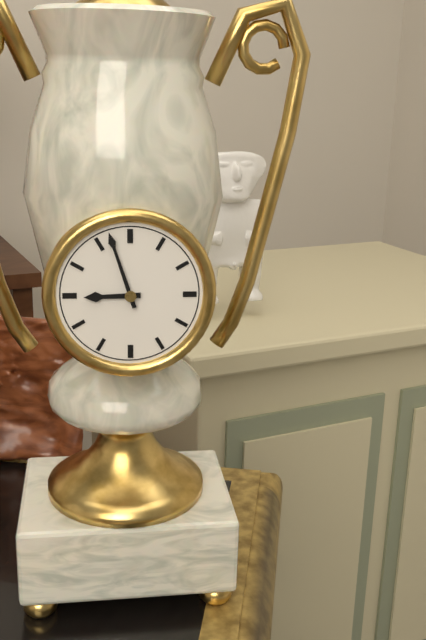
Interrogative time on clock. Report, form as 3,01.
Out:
8,57
